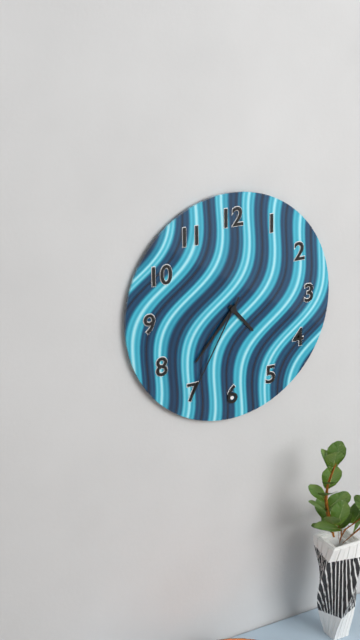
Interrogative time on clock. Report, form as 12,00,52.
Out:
4,37,35
